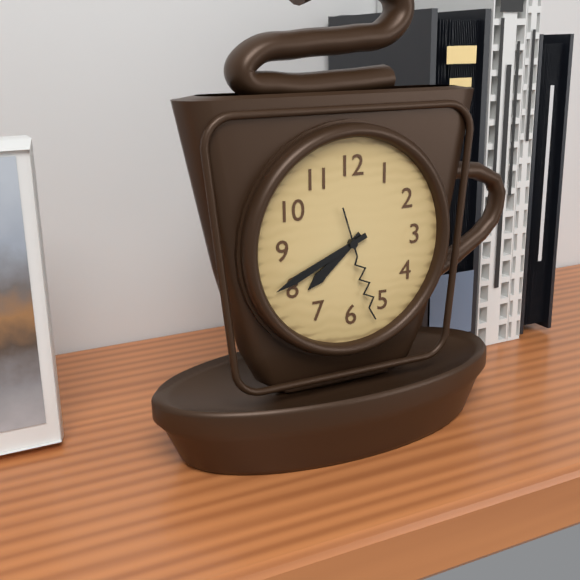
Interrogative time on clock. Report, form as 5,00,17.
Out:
7,41,27
